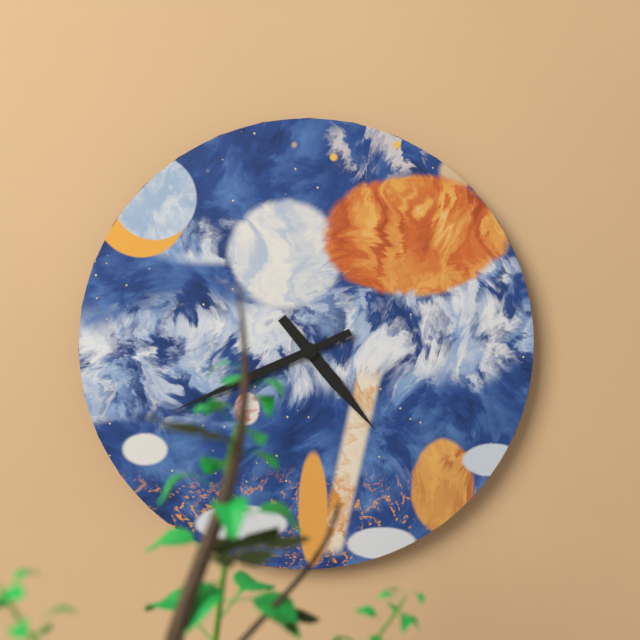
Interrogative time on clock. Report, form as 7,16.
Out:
4,41
